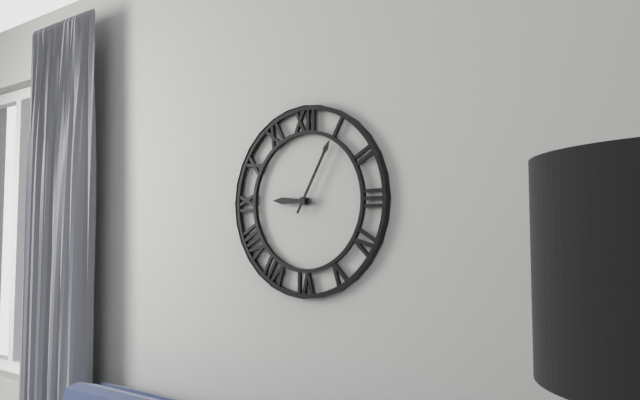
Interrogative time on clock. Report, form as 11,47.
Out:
9,05
